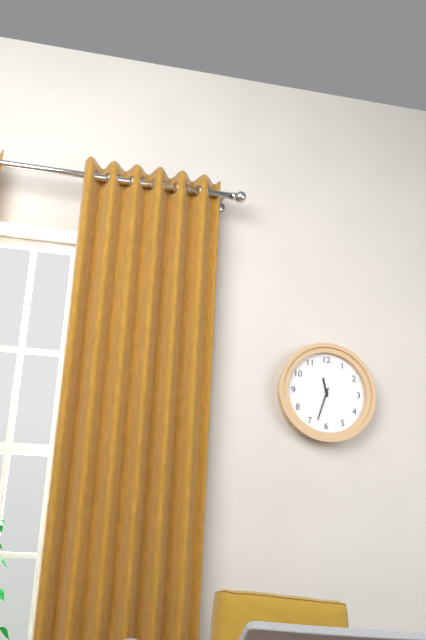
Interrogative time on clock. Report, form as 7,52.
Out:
11,33
